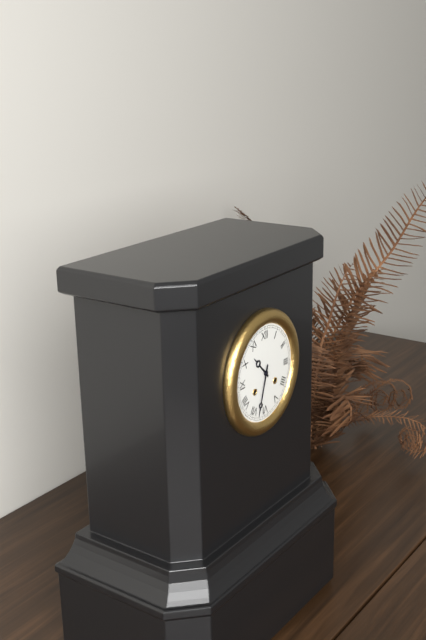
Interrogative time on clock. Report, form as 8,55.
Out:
10,33
